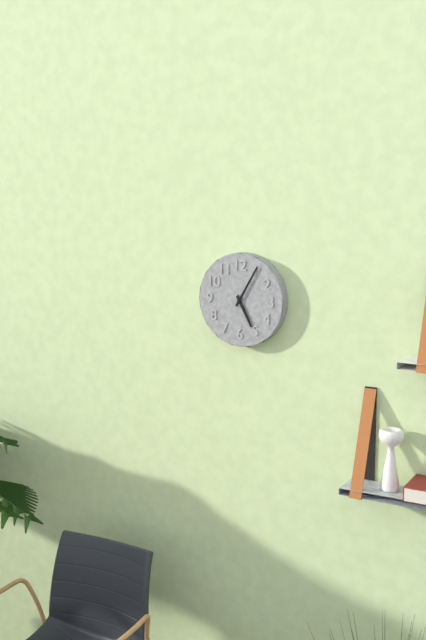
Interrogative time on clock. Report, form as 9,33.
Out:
5,05
